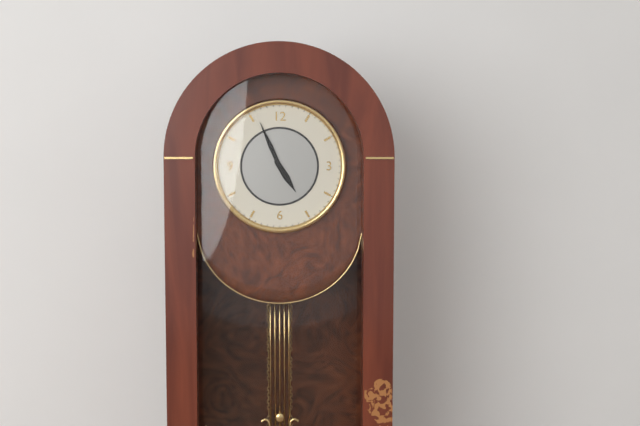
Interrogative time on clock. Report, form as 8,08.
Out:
4,56
